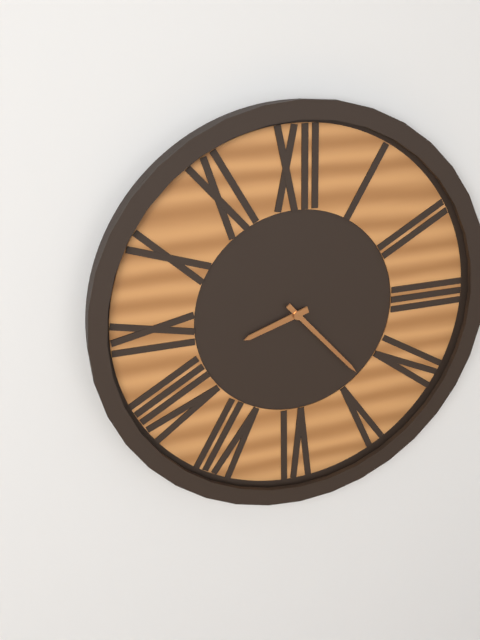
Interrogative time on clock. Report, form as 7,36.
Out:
8,23
